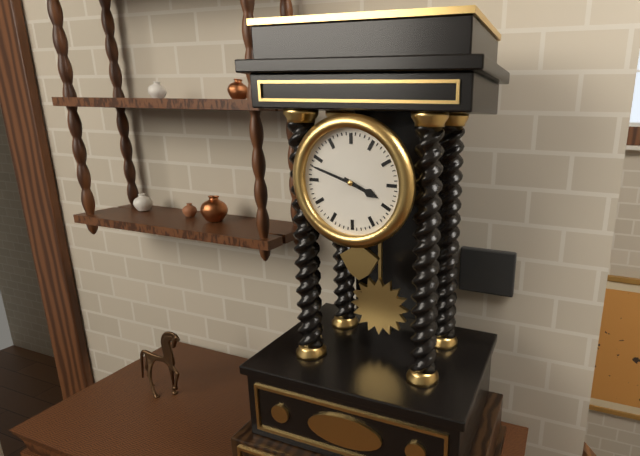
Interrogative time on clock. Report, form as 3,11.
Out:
3,48
